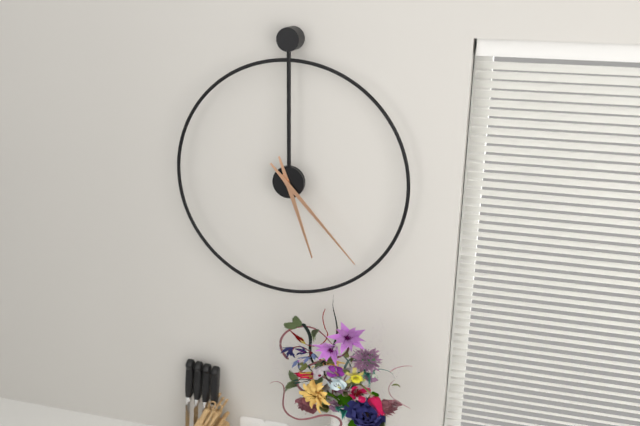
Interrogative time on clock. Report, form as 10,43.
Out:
5,23
